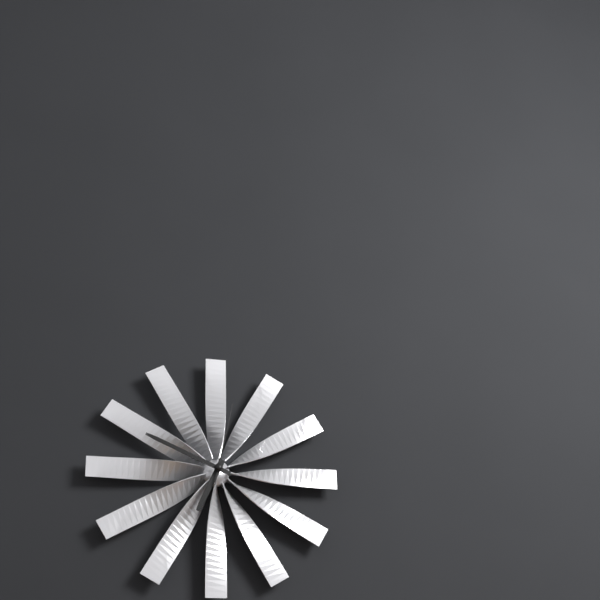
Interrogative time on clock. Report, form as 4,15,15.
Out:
6,49,02
